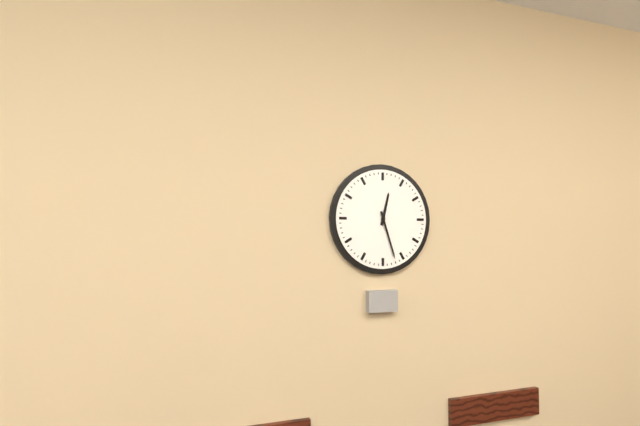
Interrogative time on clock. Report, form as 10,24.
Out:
12,27
